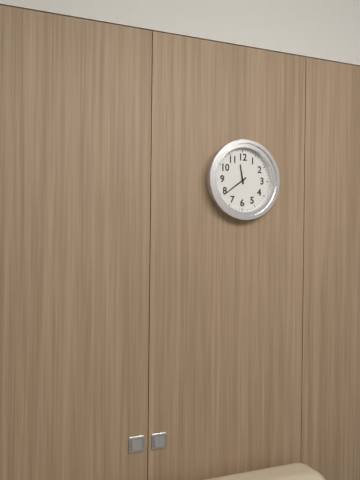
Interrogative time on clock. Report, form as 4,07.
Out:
11,39
